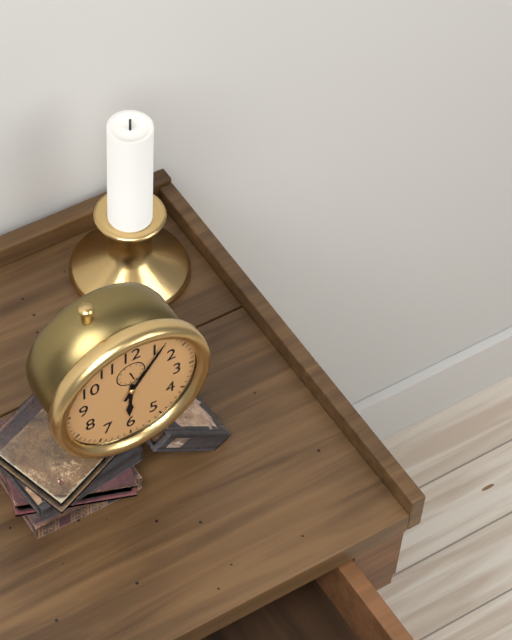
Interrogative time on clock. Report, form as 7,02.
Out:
6,06
